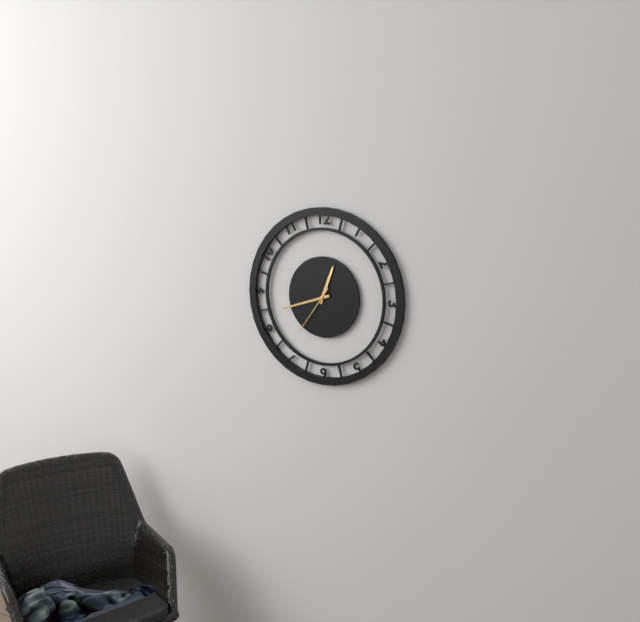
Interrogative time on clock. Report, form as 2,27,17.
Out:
12,42,36
